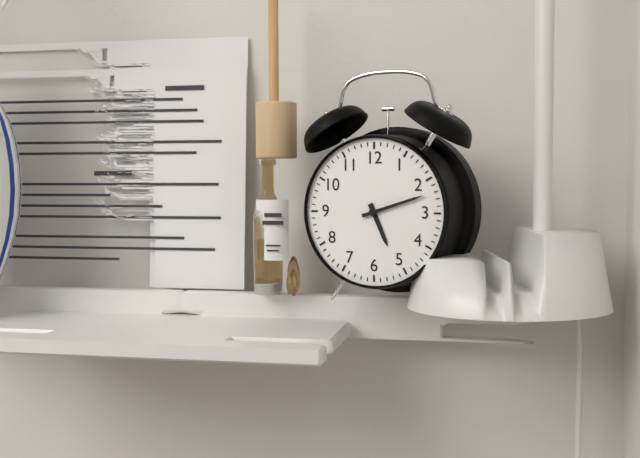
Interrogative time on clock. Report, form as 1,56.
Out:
5,12
